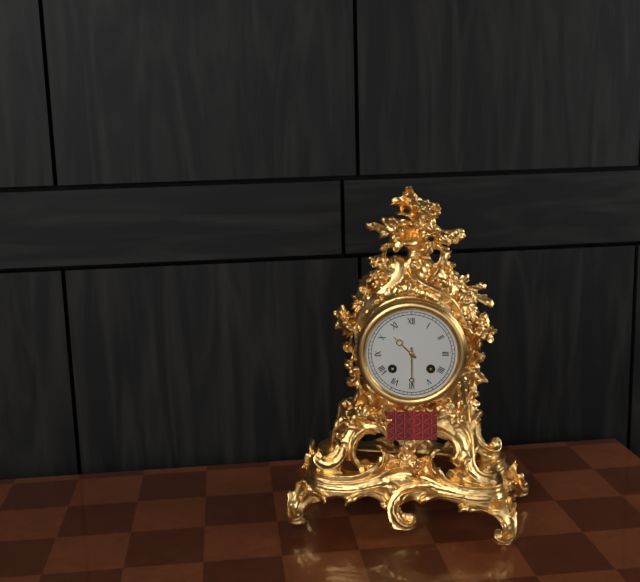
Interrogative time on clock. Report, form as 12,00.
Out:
10,30
